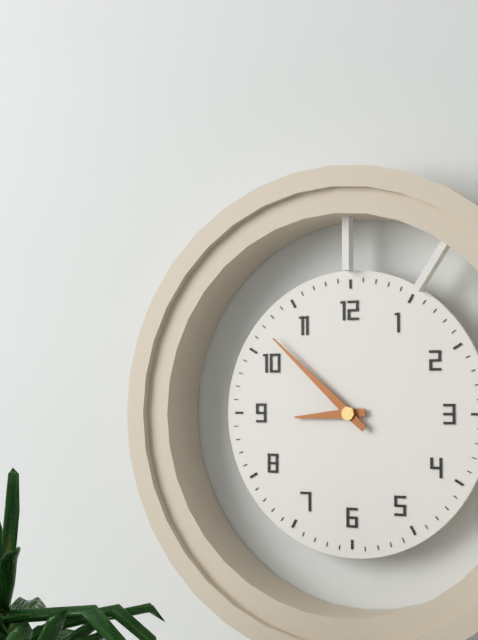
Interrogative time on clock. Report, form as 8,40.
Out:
8,52
